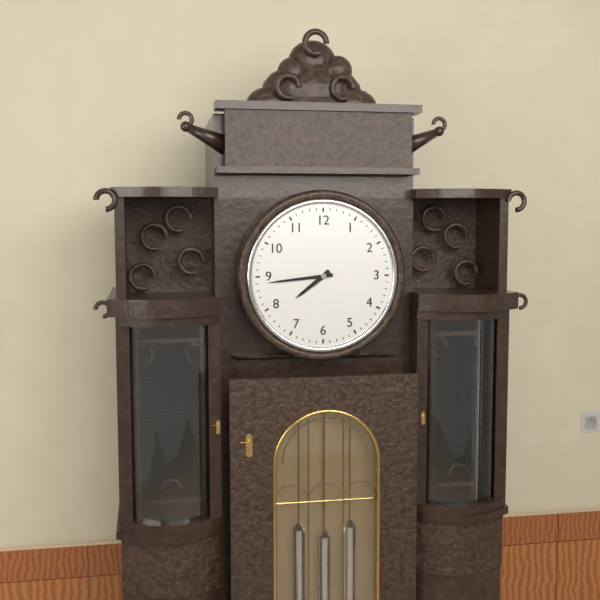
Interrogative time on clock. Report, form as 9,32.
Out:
7,44
